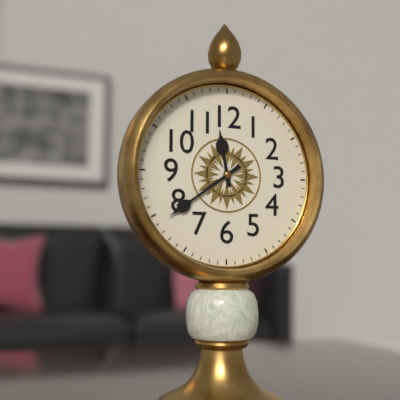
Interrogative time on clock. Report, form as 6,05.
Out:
11,39
